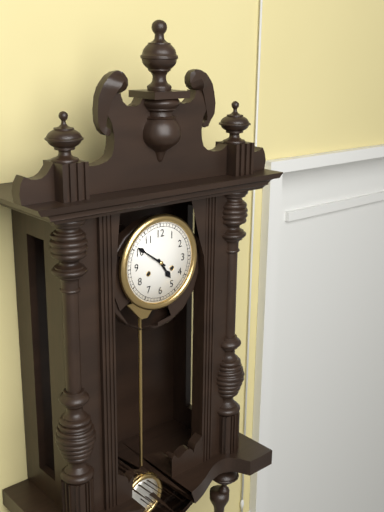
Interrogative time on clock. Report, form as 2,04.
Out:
4,51
